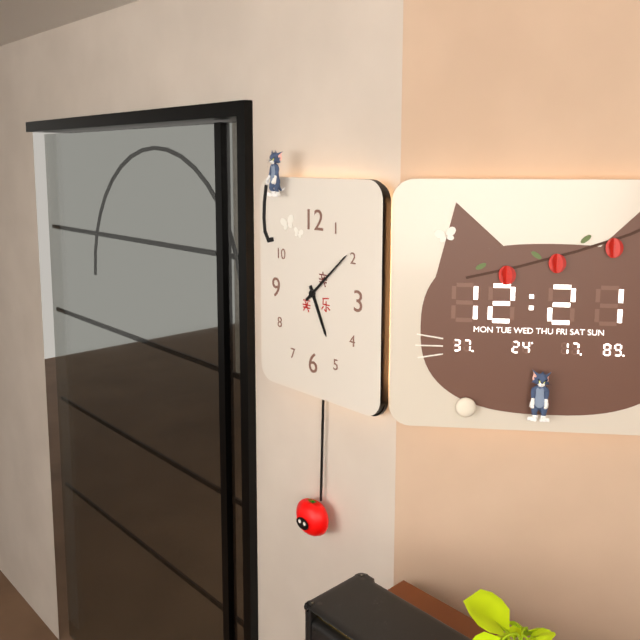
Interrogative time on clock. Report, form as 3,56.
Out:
5,08
